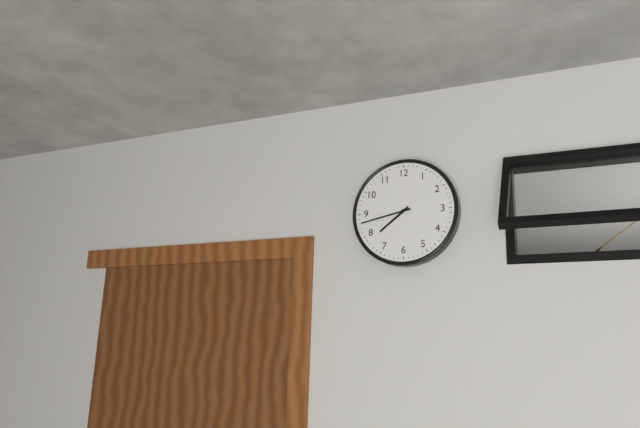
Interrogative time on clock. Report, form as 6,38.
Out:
7,43
